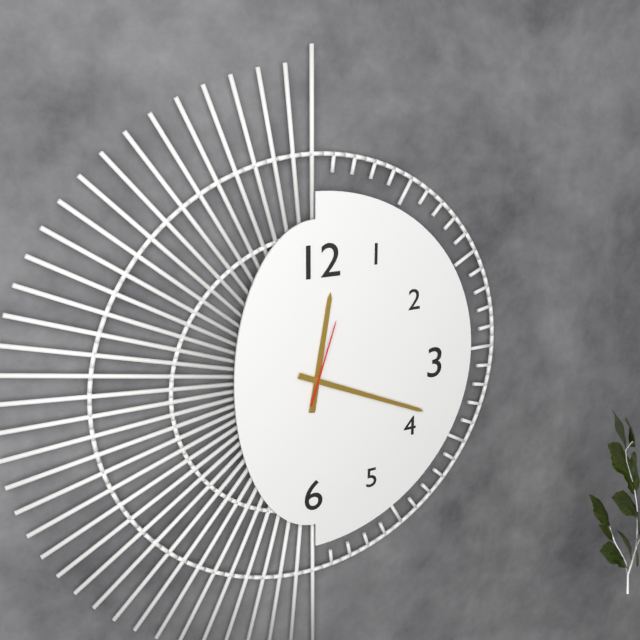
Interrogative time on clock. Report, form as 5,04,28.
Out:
12,19,03
